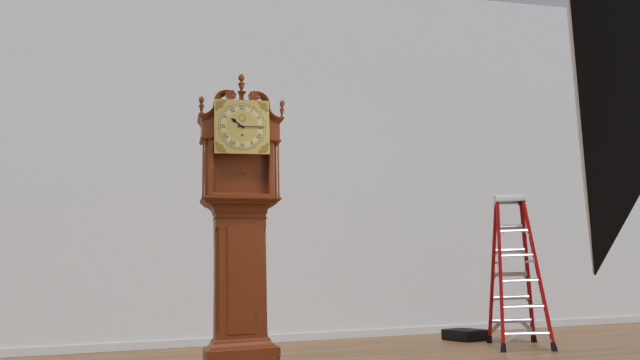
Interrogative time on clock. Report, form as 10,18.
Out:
10,15
